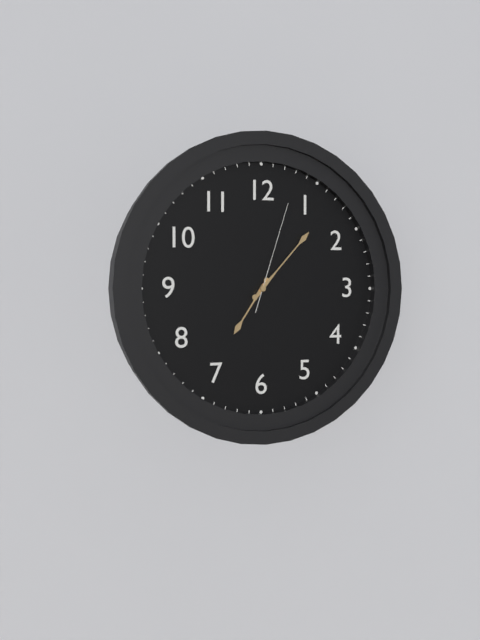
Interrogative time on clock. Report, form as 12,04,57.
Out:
7,07,03
